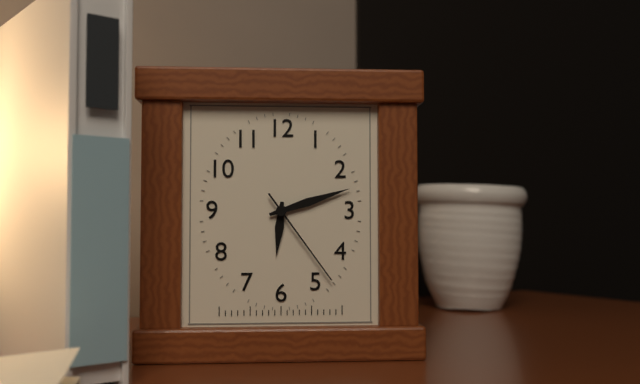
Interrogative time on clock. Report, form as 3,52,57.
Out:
6,12,24
